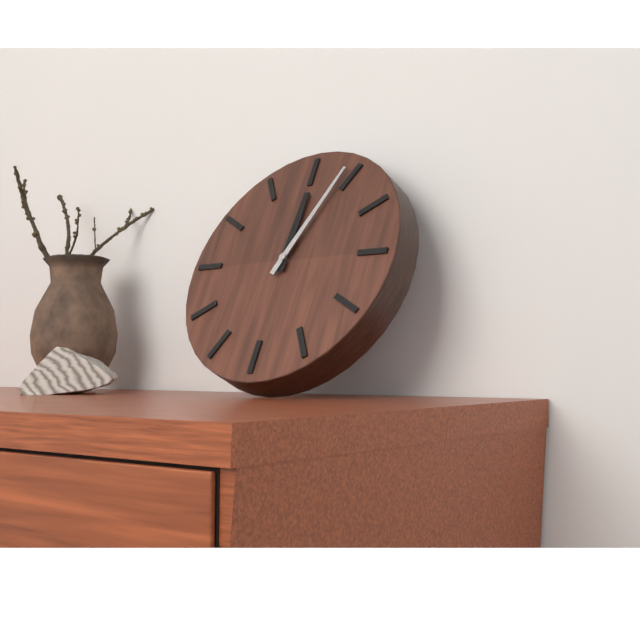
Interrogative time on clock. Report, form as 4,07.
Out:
12,04
